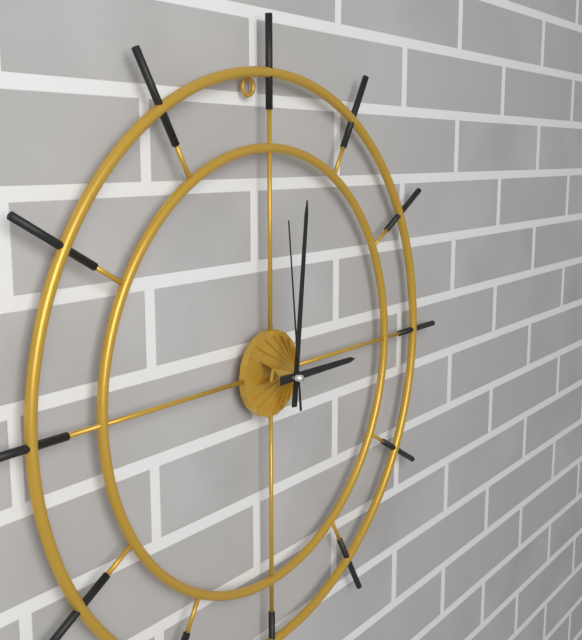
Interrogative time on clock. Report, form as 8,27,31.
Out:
3,01,59
